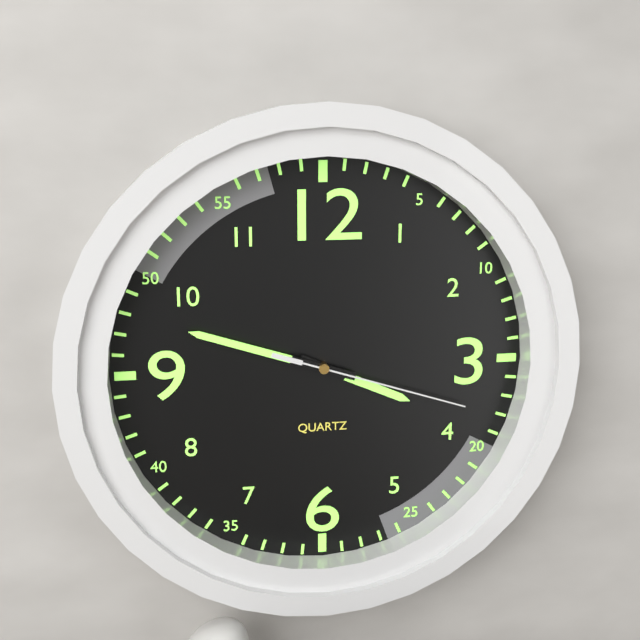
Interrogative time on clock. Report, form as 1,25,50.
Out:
3,48,18
